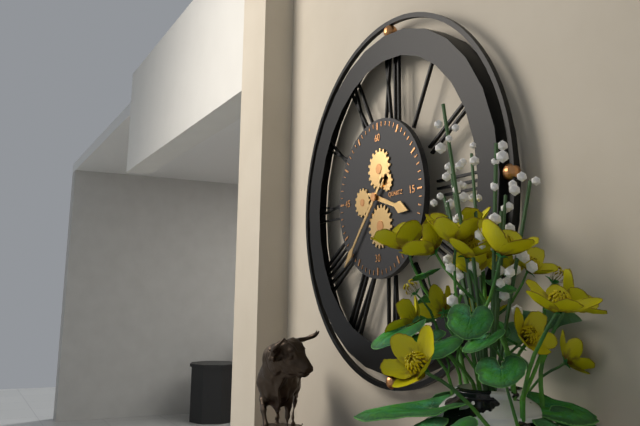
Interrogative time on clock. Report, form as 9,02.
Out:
3,37
